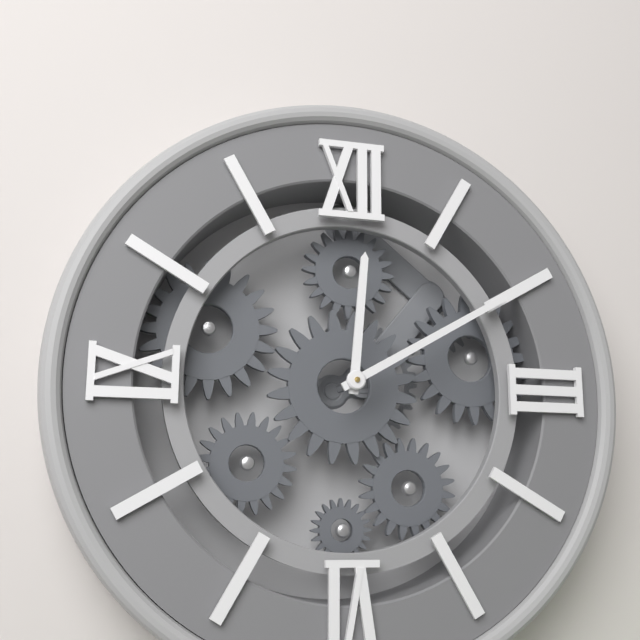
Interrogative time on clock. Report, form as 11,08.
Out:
12,10
